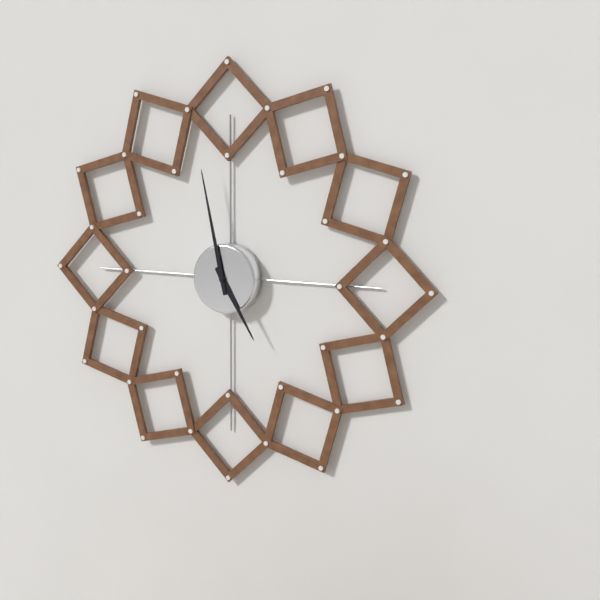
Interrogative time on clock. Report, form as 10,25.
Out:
4,58
